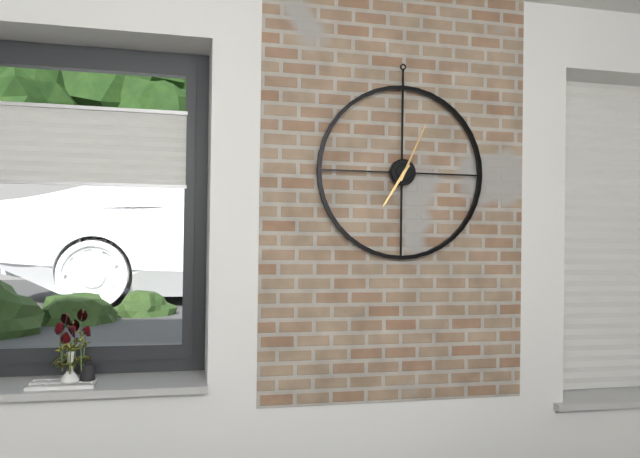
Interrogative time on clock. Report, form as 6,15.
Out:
7,04
